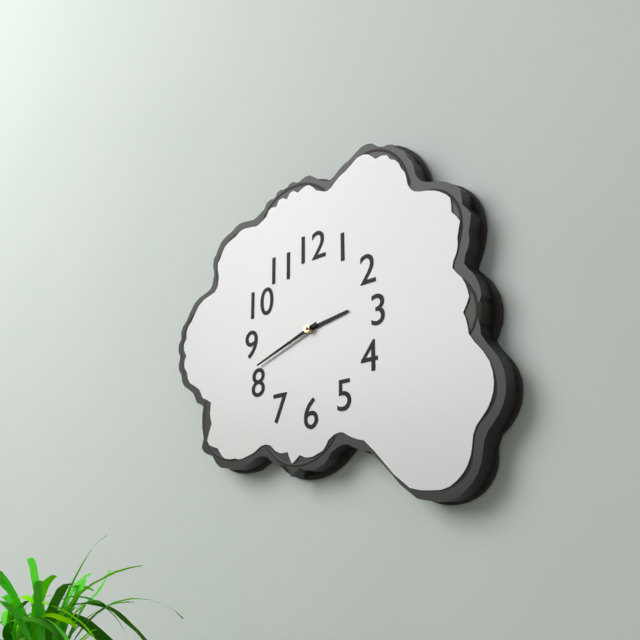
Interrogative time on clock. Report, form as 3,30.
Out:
2,42
